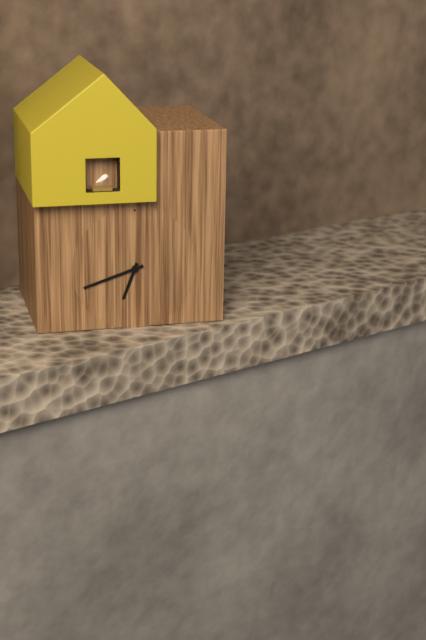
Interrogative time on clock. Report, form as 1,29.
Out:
6,42
